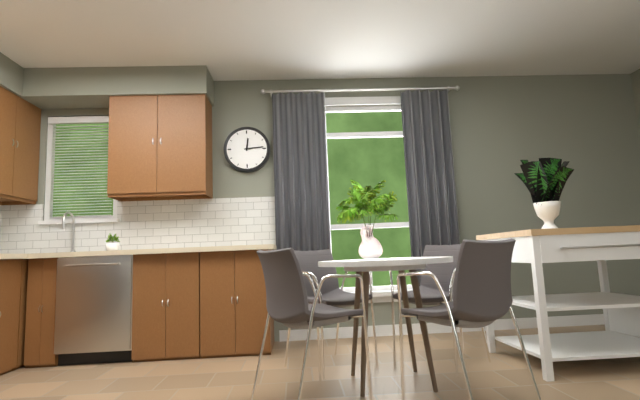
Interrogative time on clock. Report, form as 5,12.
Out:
12,14
